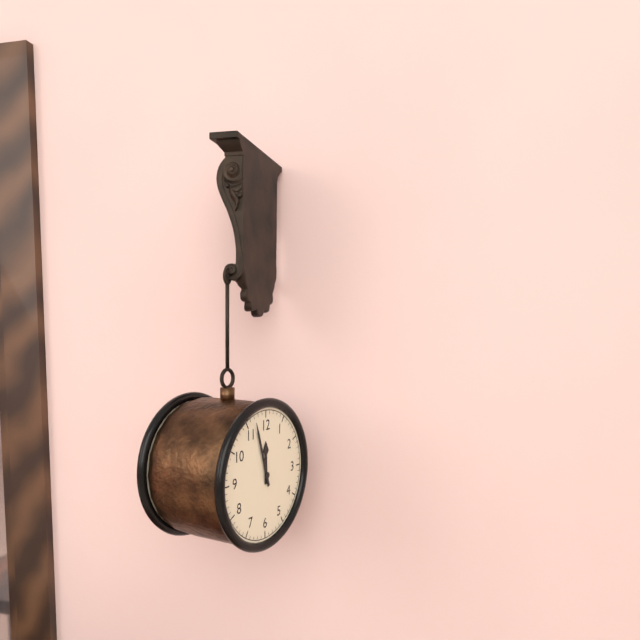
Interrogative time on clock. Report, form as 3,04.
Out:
11,57
